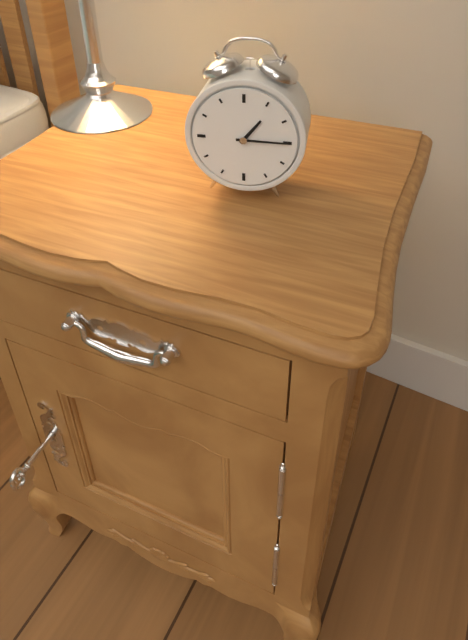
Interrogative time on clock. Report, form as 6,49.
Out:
1,15
